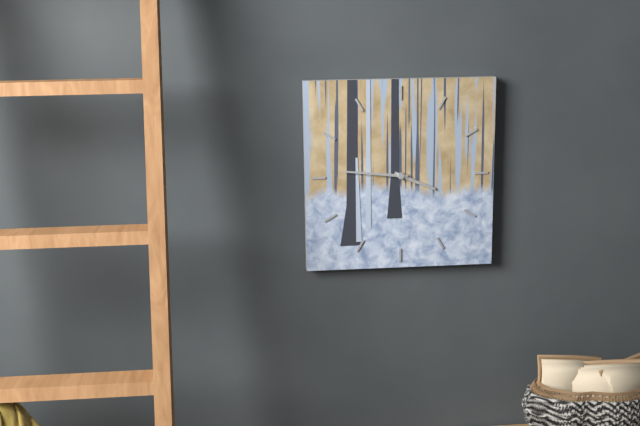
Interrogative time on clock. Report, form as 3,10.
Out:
3,46
